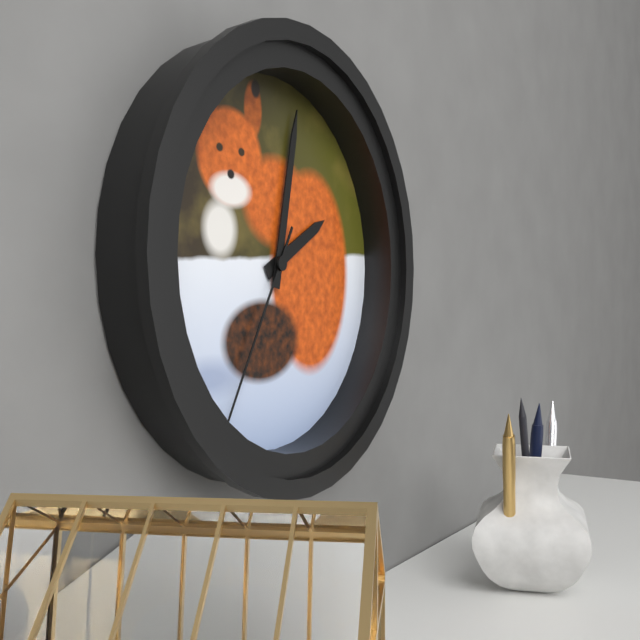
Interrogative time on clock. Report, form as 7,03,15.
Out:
2,02,35
